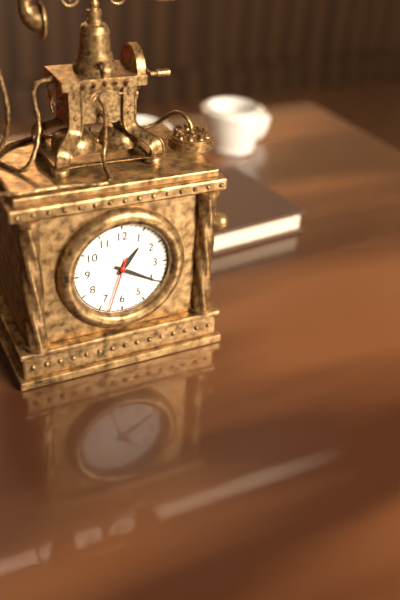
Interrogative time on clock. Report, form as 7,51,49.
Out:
1,20,33
